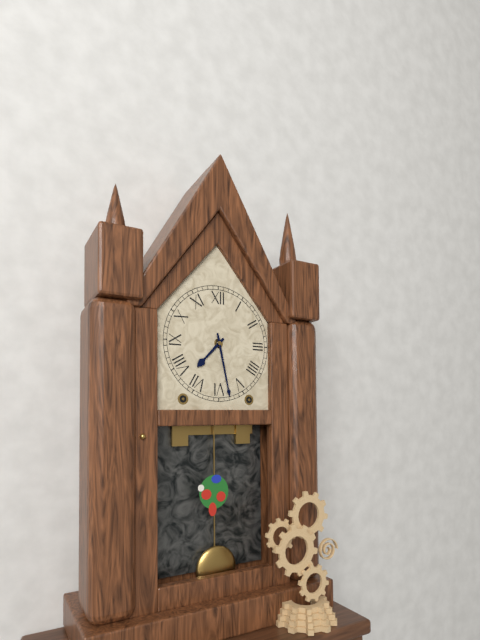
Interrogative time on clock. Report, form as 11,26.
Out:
7,28
